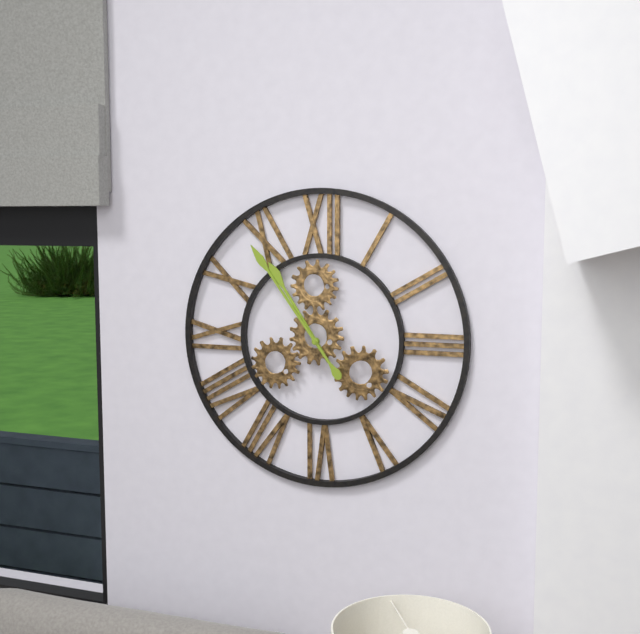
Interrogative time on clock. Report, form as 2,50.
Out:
10,54
